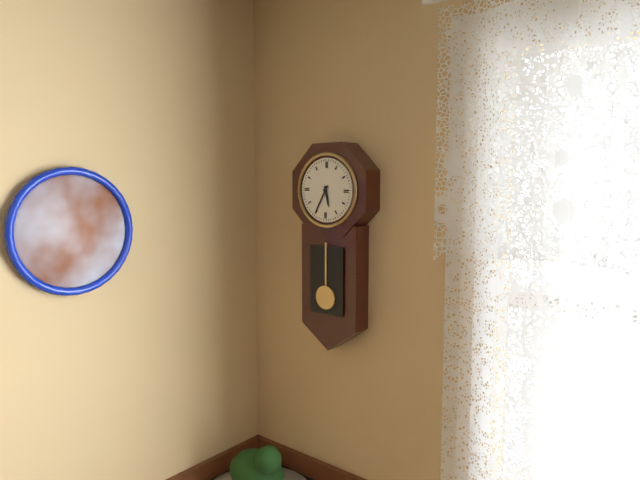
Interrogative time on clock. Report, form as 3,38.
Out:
5,35
